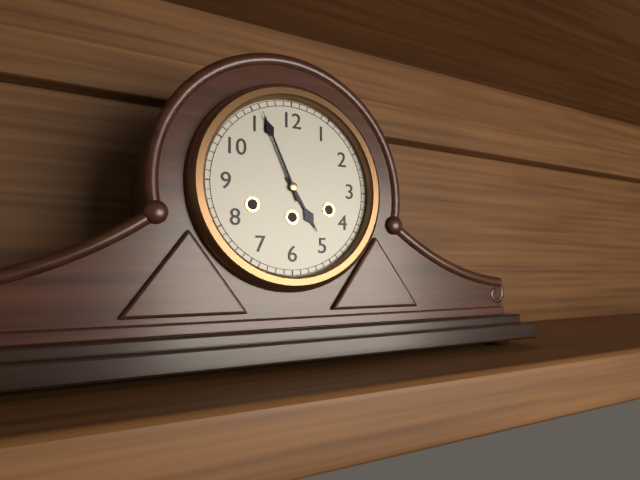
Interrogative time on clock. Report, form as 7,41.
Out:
4,56
